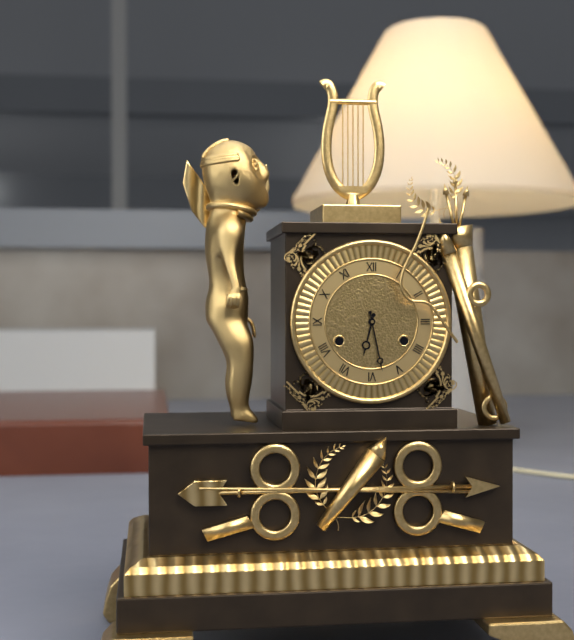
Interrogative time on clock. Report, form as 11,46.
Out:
6,28
